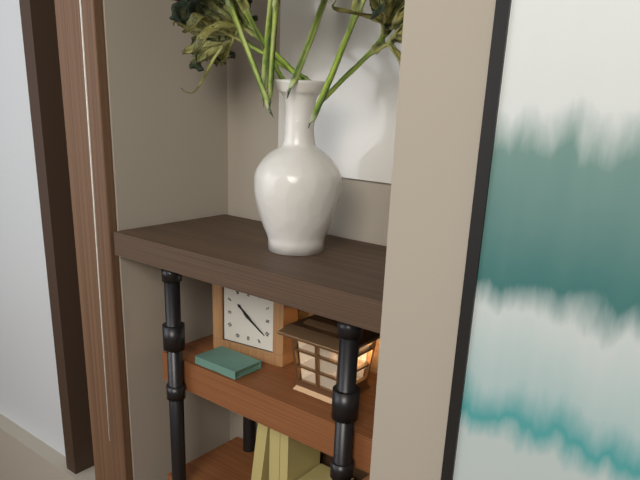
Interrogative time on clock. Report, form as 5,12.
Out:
10,21
